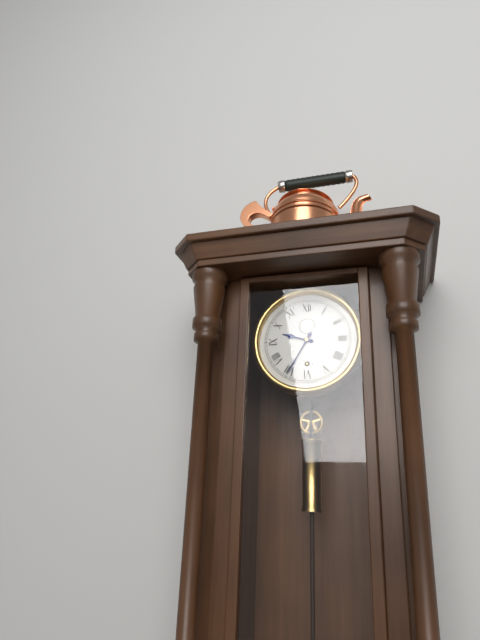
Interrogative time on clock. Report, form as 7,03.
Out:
9,35
